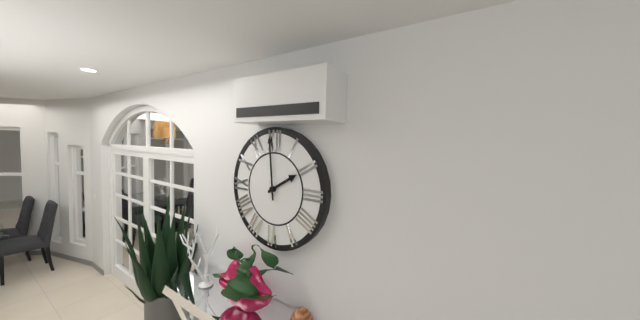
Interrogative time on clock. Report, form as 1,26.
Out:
1,59
